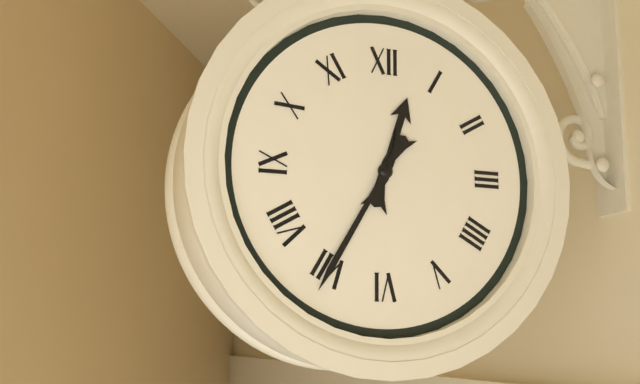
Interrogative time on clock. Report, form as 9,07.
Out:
12,35
